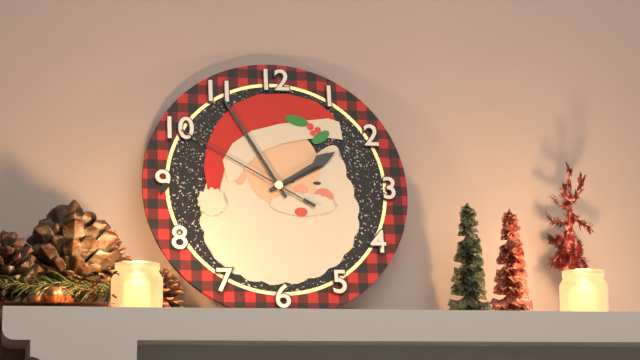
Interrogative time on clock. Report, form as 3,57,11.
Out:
1,55,50
